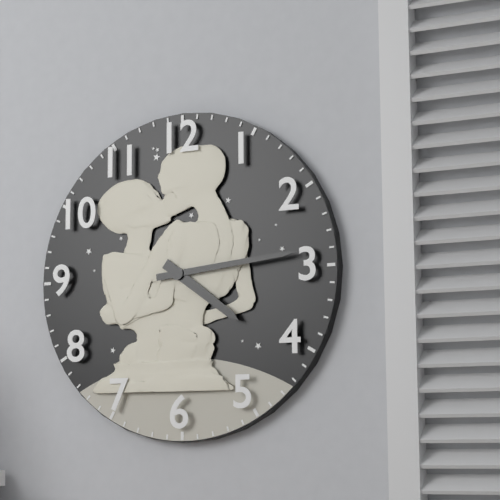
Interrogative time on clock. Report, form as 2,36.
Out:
4,14
